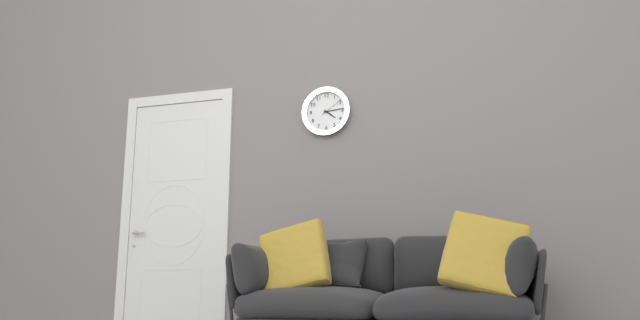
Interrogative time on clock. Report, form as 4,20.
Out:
4,14
